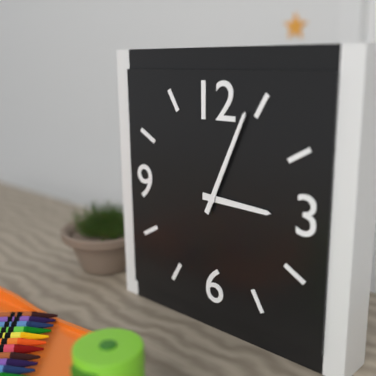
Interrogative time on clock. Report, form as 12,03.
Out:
3,04
